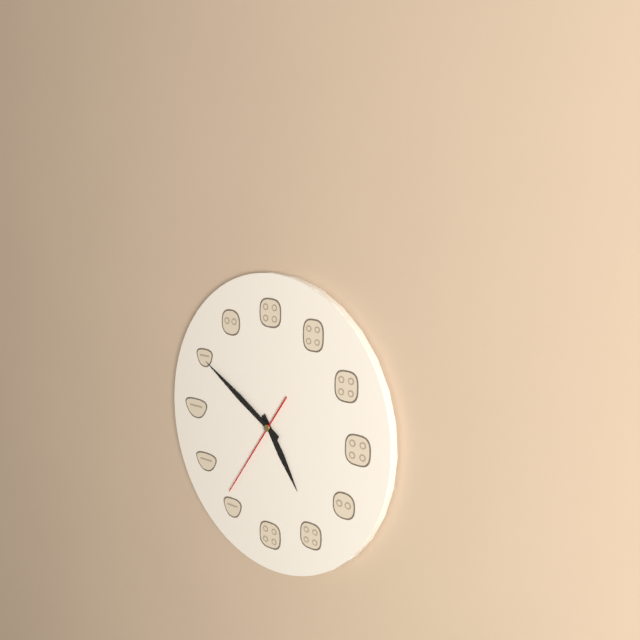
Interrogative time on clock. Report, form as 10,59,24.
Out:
4,50,36
